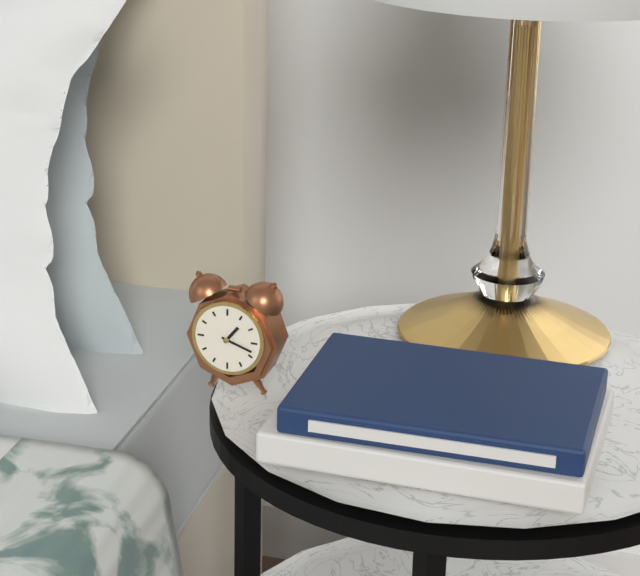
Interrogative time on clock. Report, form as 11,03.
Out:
1,18
